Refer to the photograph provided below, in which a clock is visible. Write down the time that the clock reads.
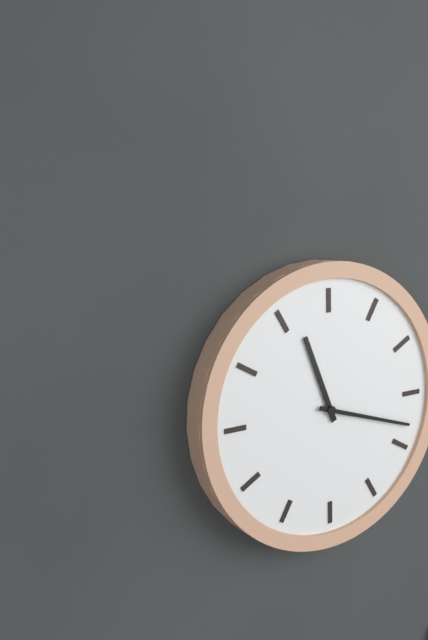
11:18
